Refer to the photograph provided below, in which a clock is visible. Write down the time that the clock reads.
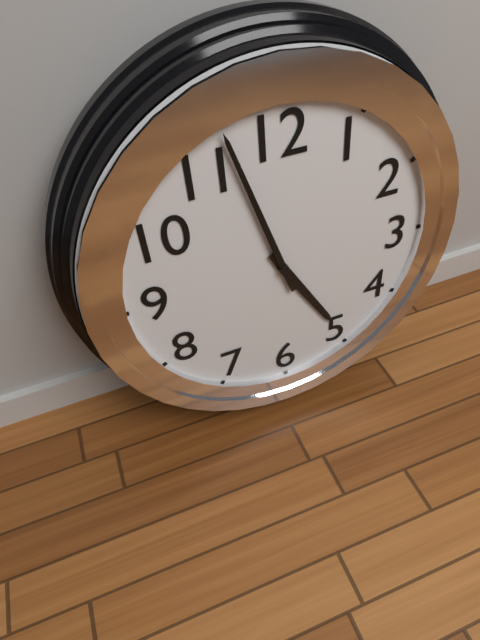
4:57
